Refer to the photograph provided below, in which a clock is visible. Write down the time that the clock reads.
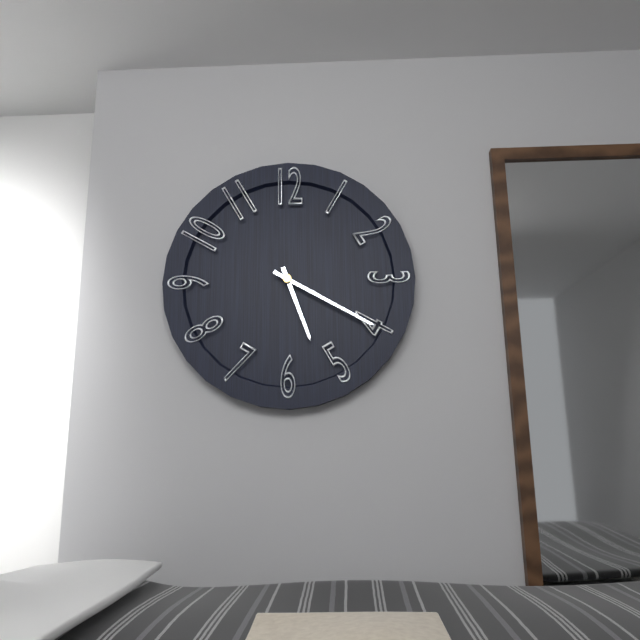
5:20
